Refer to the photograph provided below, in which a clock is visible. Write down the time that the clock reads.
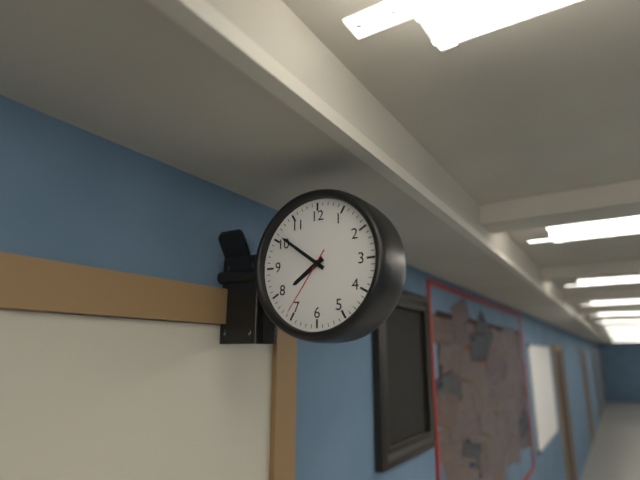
7:51:36
